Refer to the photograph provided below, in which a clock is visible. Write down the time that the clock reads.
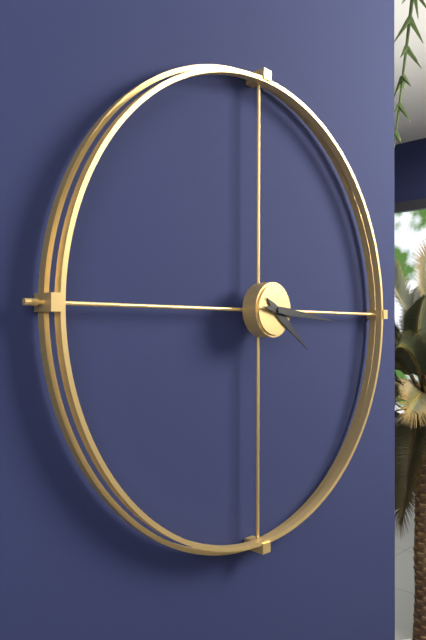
4:16
